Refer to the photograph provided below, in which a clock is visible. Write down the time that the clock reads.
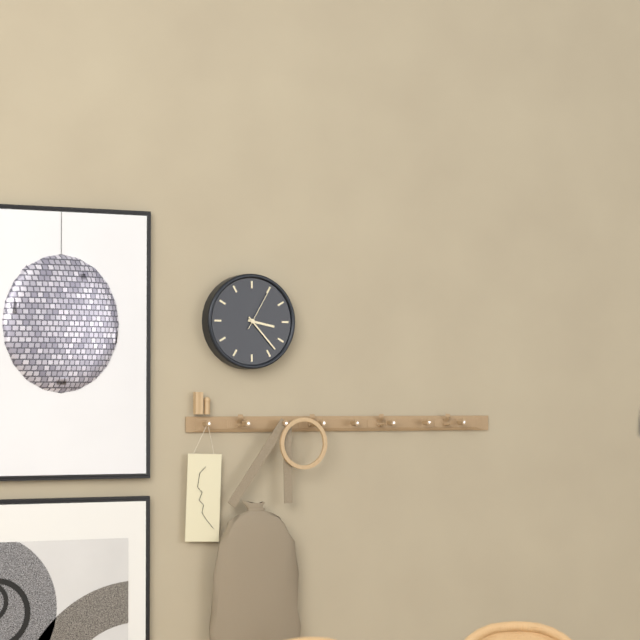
3:23
